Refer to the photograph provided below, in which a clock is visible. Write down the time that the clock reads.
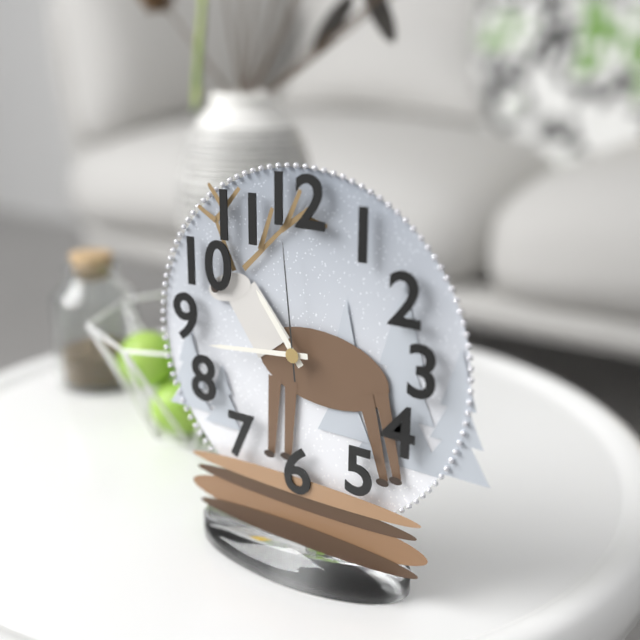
10:44:59
